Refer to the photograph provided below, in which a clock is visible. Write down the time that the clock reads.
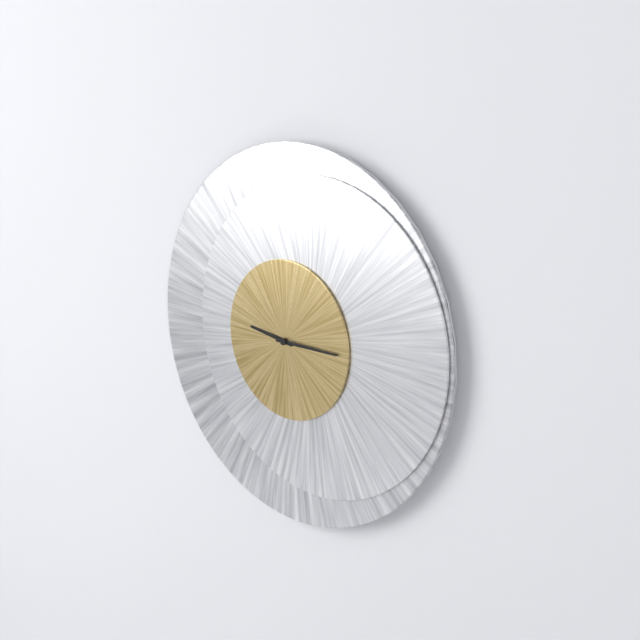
9:15
